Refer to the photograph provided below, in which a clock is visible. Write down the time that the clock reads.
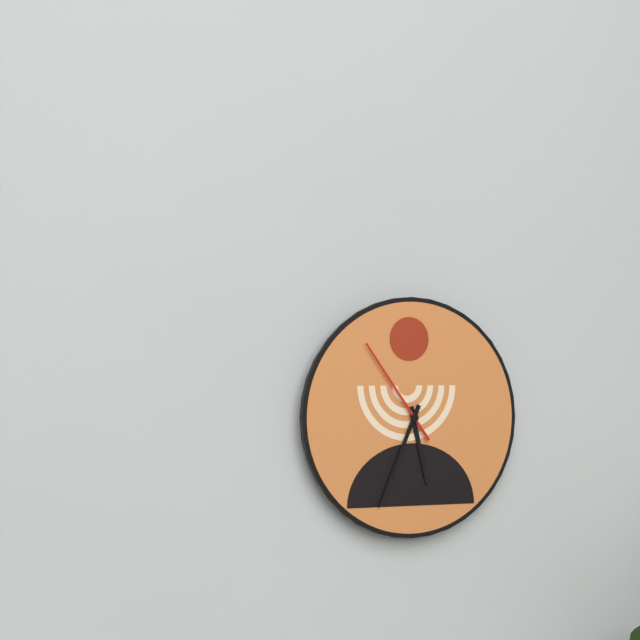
5:34:54
